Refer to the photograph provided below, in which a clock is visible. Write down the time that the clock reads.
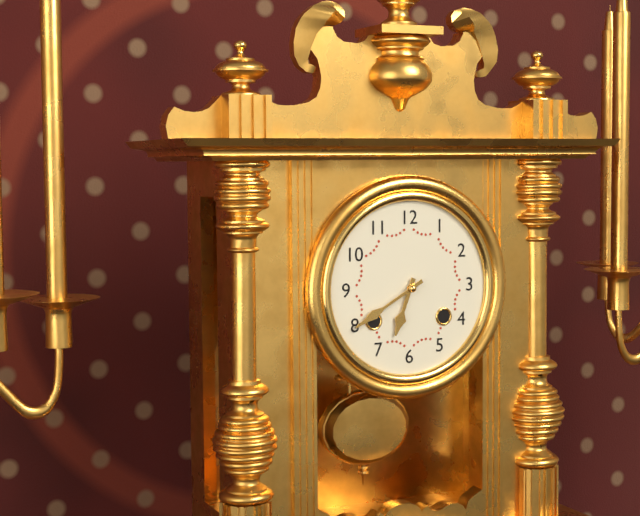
6:40
